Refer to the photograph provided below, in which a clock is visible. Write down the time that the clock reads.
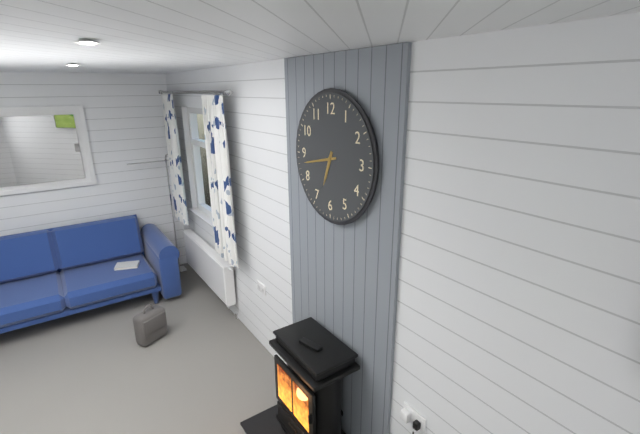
6:43
